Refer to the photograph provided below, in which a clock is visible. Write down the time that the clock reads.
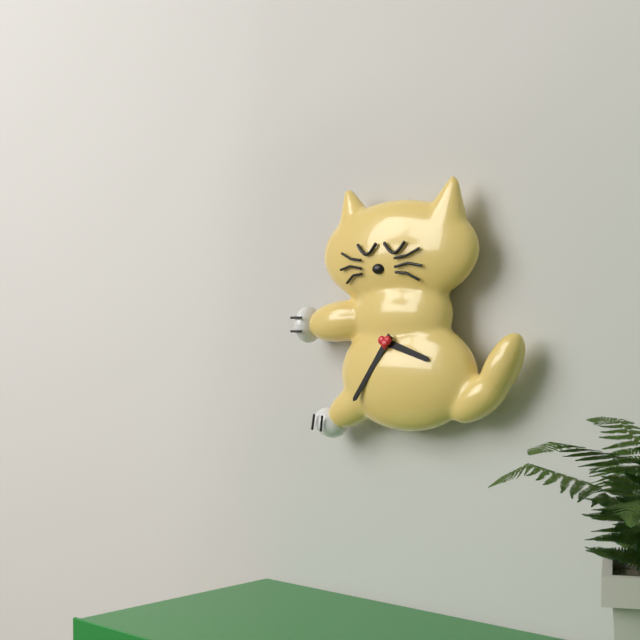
3:36
